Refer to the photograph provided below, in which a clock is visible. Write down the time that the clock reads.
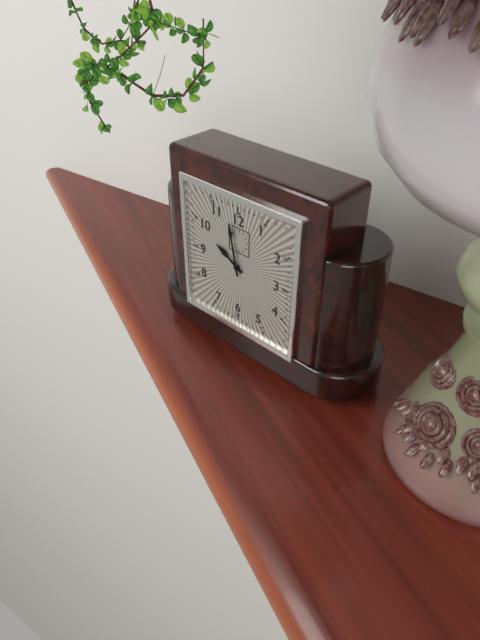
9:58
